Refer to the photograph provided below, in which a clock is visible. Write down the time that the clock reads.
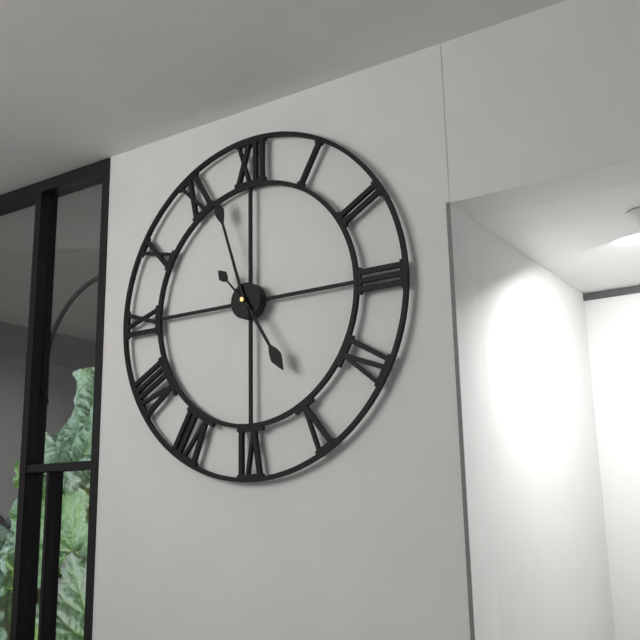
4:57:53
